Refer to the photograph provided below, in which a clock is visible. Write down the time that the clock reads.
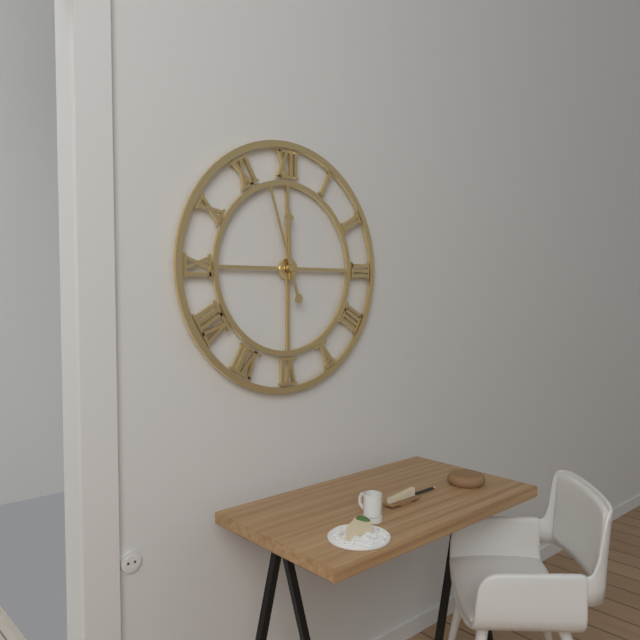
11:57
